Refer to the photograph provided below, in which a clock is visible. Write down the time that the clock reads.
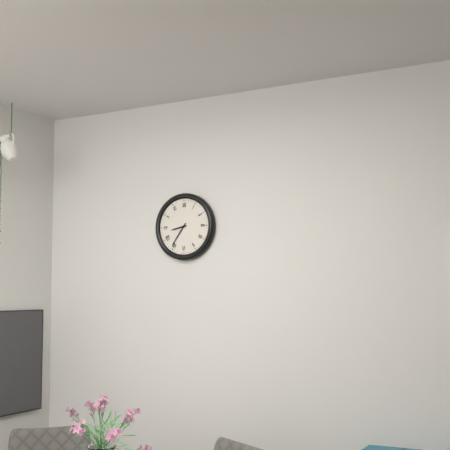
8:36
